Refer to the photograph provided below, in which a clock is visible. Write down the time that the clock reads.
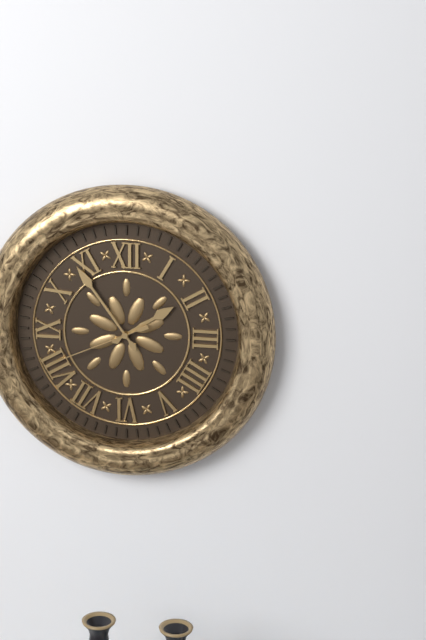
1:54:41
